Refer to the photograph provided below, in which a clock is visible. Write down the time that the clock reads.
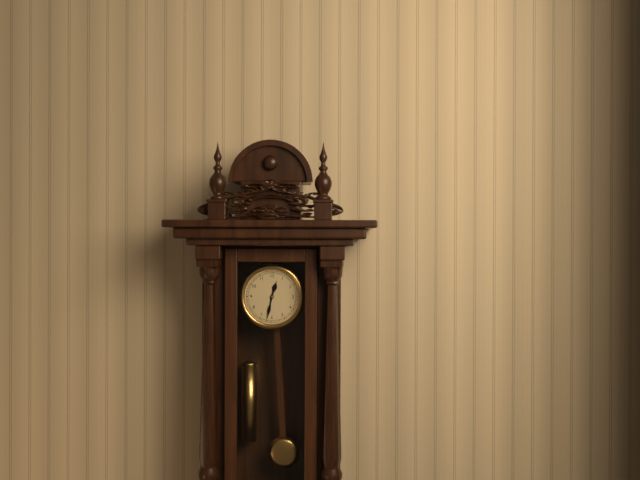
12:32
